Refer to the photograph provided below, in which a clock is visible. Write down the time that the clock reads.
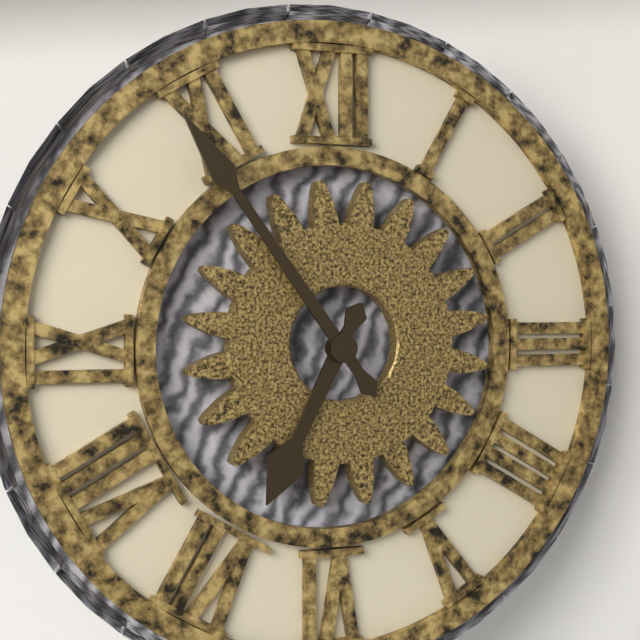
6:54
